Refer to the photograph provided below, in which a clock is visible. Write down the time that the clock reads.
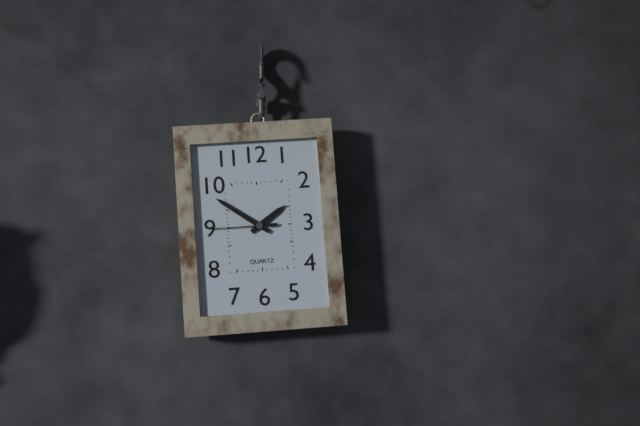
1:51:45
